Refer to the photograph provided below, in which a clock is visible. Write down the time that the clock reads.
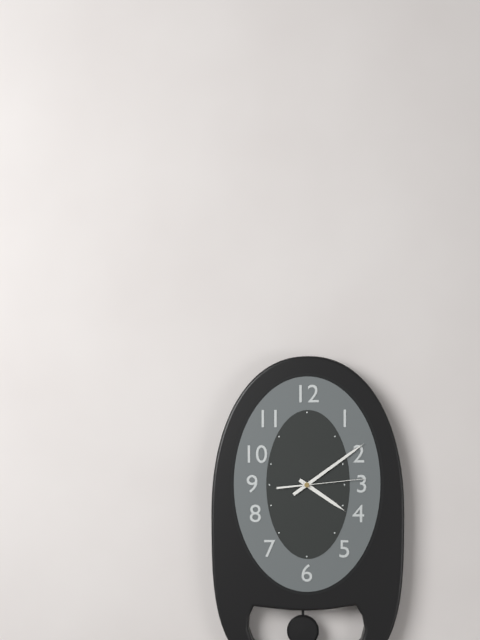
4:09:14
